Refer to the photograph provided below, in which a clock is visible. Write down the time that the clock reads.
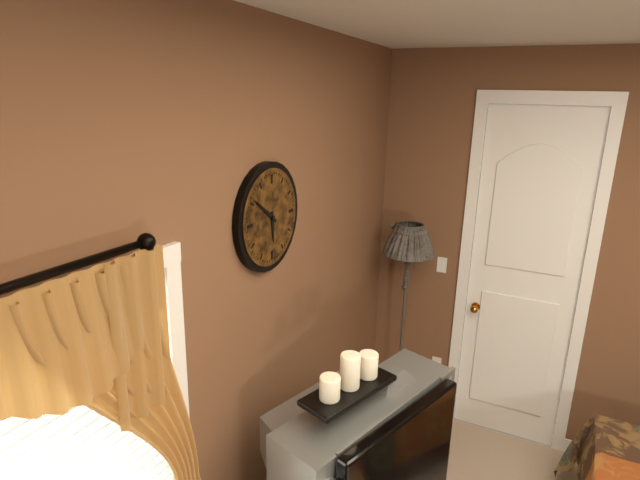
5:51
